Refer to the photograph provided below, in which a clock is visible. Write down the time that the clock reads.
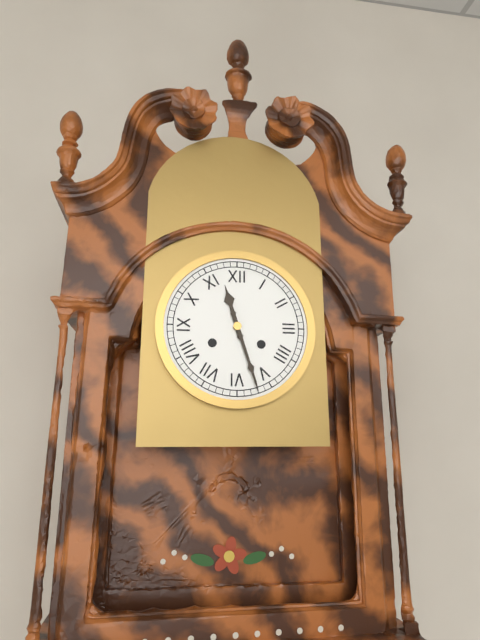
11:27
